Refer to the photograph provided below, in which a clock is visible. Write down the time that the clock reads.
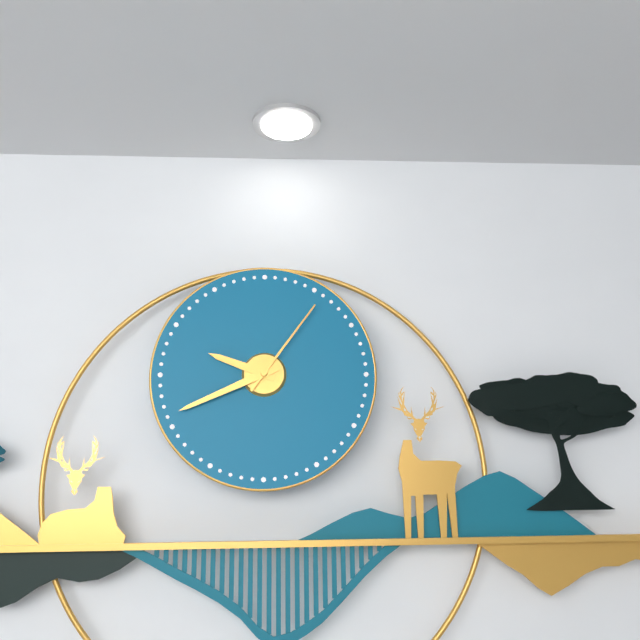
9:41:06
